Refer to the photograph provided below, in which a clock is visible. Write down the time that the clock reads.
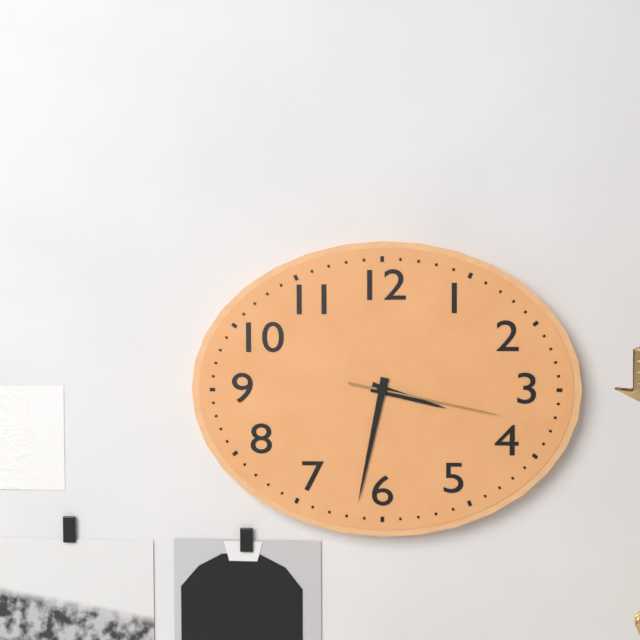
3:32:17
